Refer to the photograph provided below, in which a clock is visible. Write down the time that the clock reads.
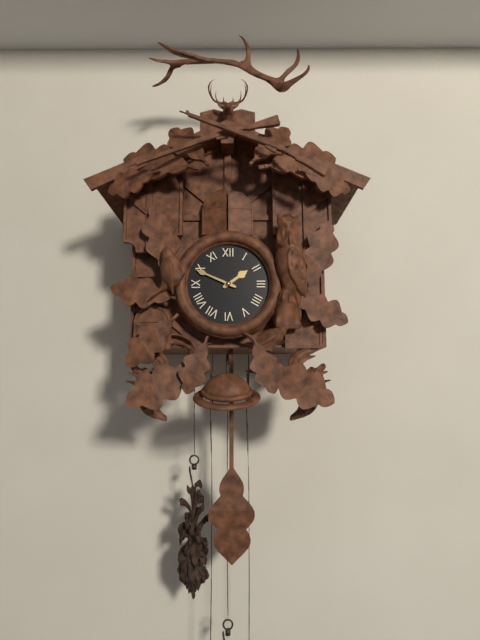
1:49
